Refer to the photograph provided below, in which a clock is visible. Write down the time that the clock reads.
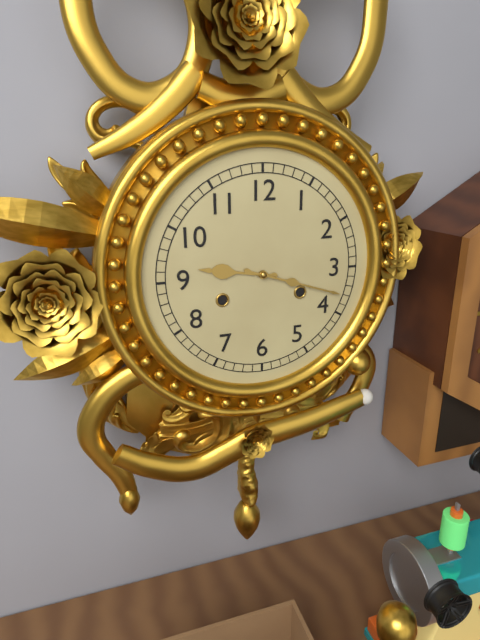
9:18
